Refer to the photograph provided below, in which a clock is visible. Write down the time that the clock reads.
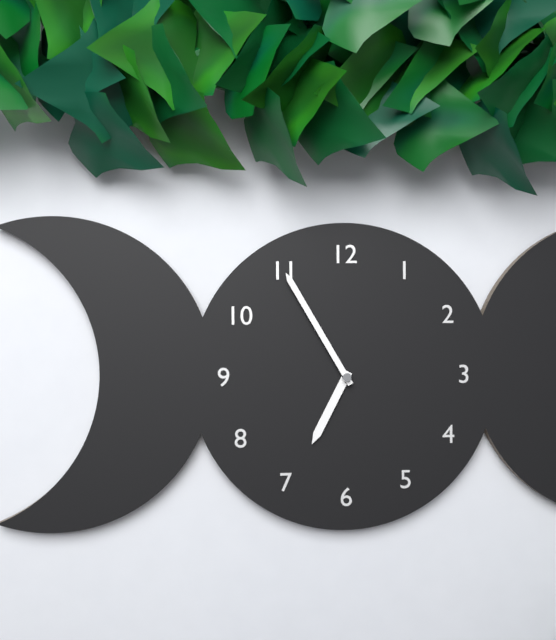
6:55
